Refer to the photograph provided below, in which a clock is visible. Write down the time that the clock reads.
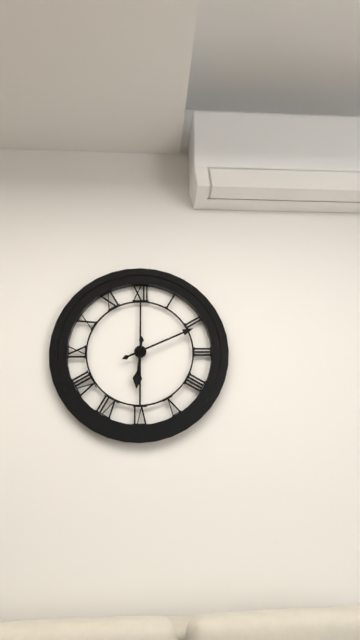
6:11
